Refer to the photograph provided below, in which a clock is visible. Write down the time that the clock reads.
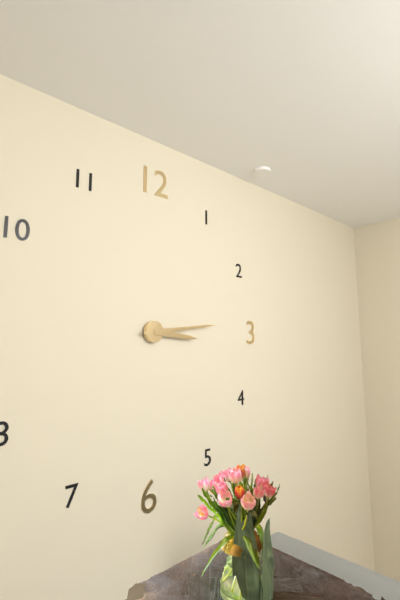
3:14
